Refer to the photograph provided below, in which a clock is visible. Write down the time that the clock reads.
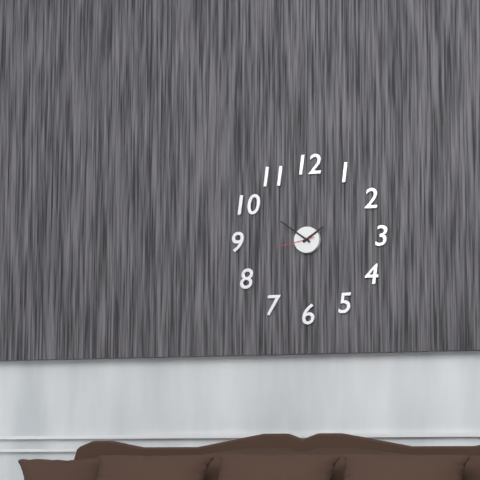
1:51
